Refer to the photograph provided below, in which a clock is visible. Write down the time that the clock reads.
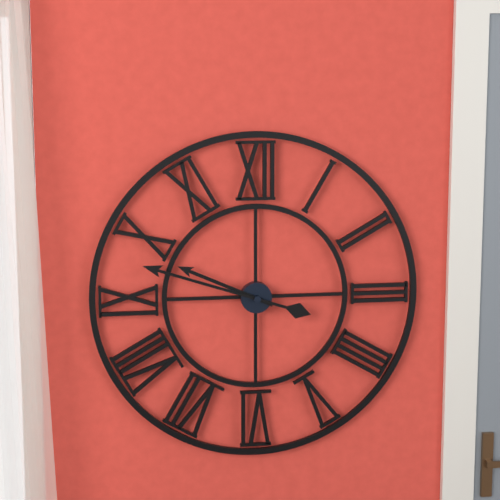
9:48
